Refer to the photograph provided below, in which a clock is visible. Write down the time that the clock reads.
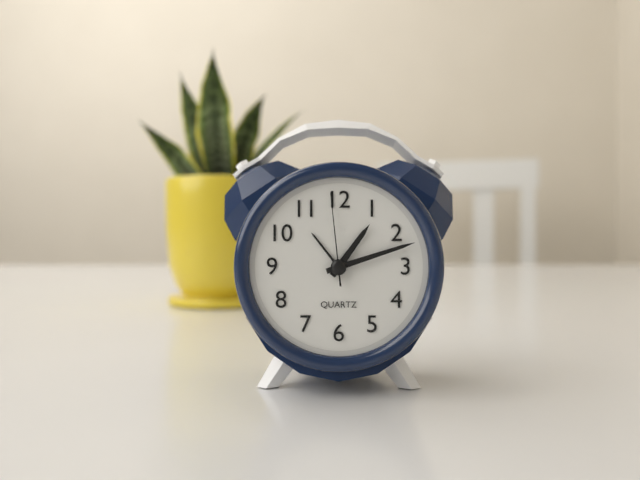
1:12:59
